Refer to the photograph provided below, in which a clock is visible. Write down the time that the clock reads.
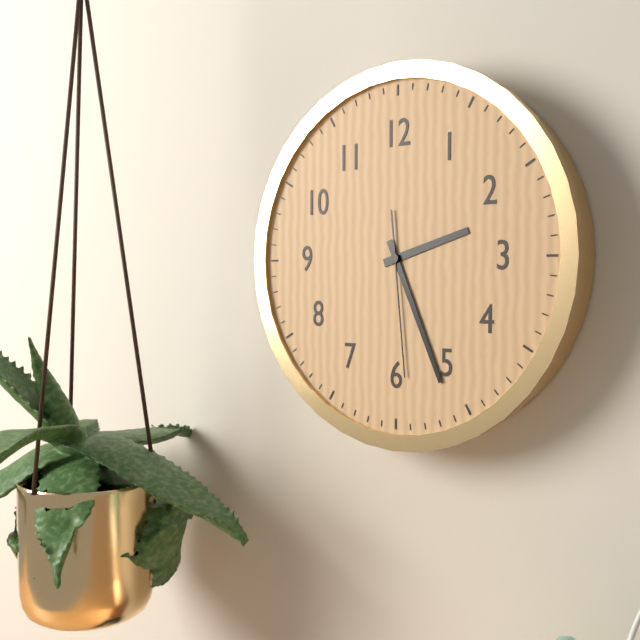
2:26:29
